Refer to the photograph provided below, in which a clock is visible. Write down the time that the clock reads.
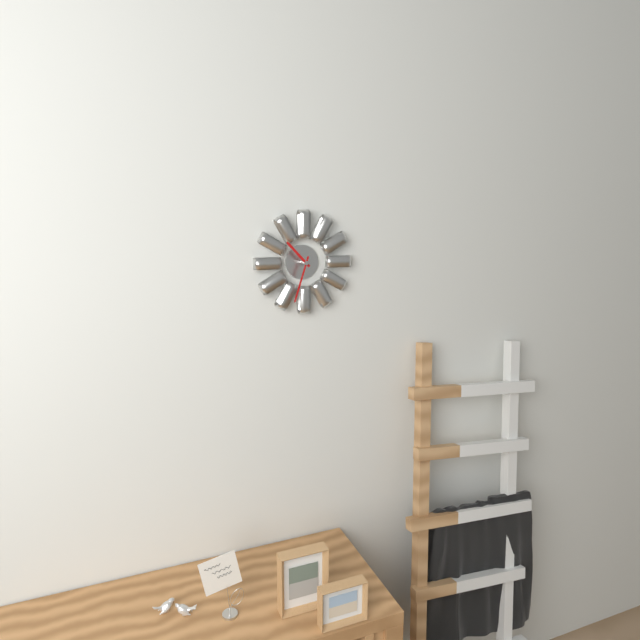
10:33
